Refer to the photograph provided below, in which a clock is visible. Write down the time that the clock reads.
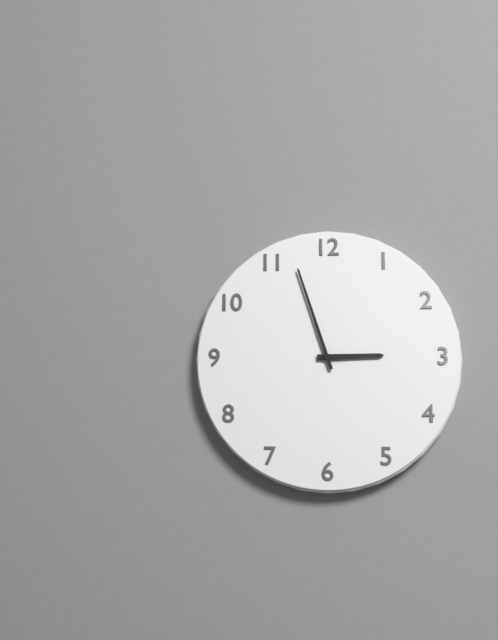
2:57
